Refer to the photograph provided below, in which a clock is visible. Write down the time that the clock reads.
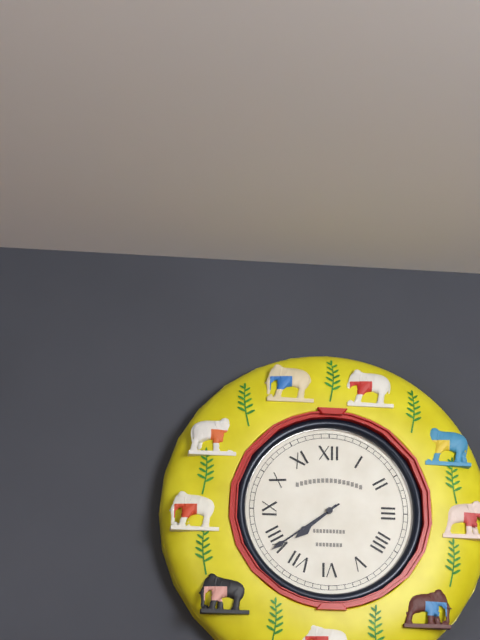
7:39
